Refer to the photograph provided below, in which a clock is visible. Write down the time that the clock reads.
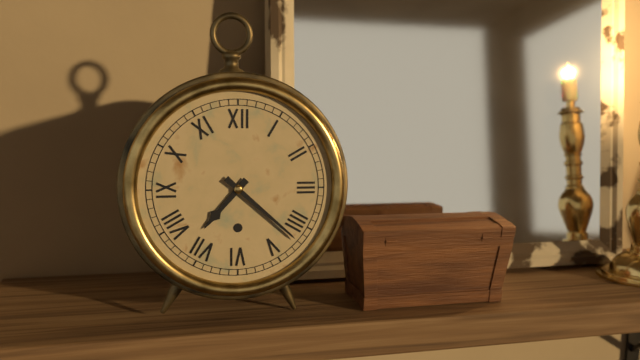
7:22
